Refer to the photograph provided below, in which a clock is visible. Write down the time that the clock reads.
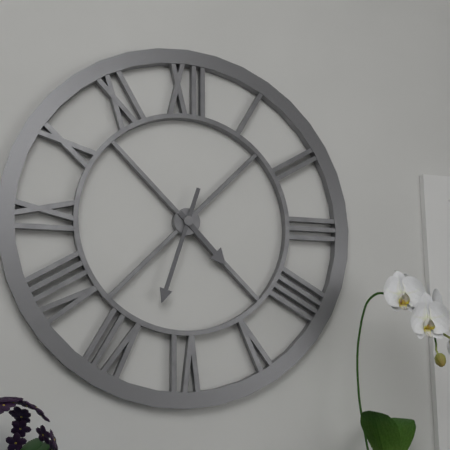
4:33
